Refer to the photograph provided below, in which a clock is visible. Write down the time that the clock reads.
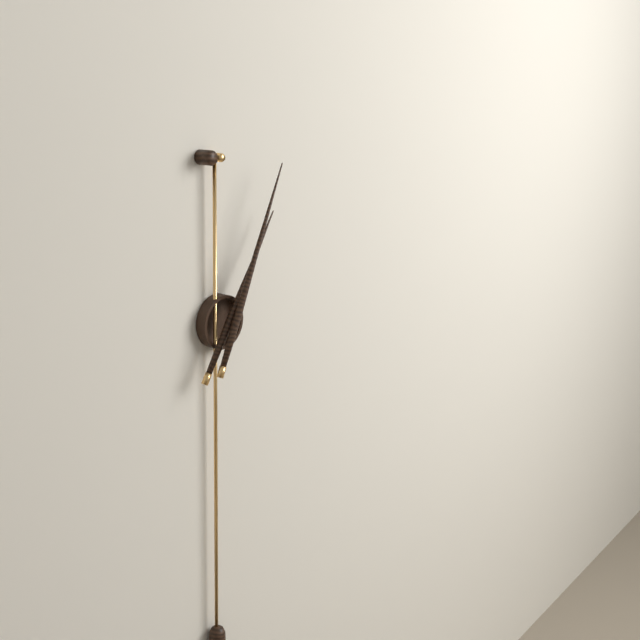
1:04
